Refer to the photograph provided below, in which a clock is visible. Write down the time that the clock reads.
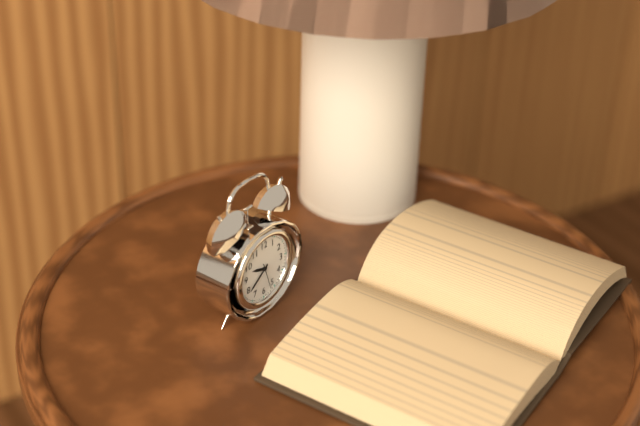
9:39
